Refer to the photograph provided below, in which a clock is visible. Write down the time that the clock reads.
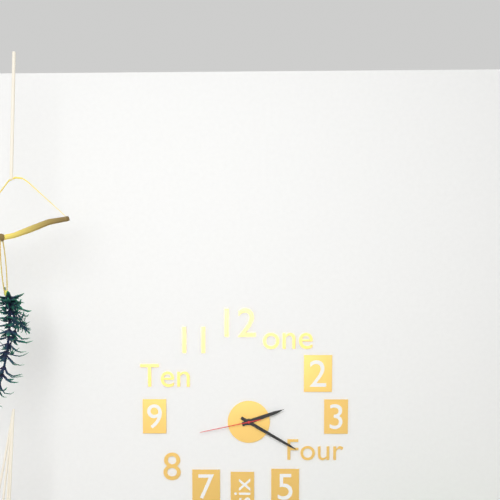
2:20:43
